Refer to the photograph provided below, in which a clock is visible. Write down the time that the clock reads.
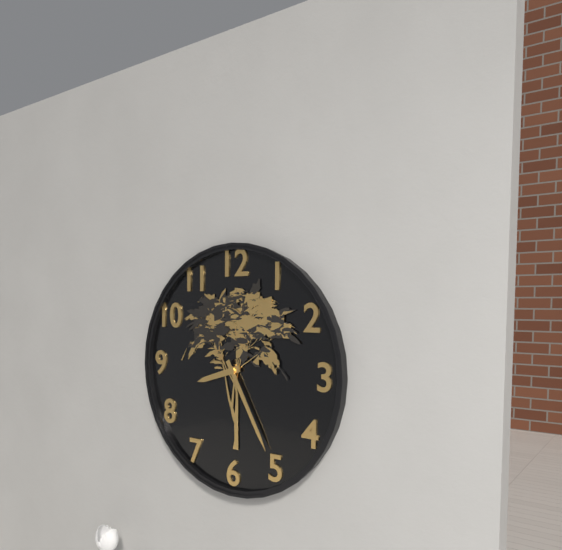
8:25
